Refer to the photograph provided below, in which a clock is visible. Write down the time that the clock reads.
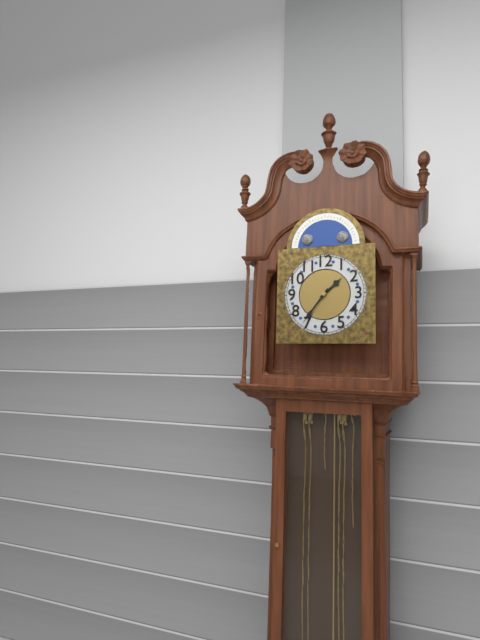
1:36
